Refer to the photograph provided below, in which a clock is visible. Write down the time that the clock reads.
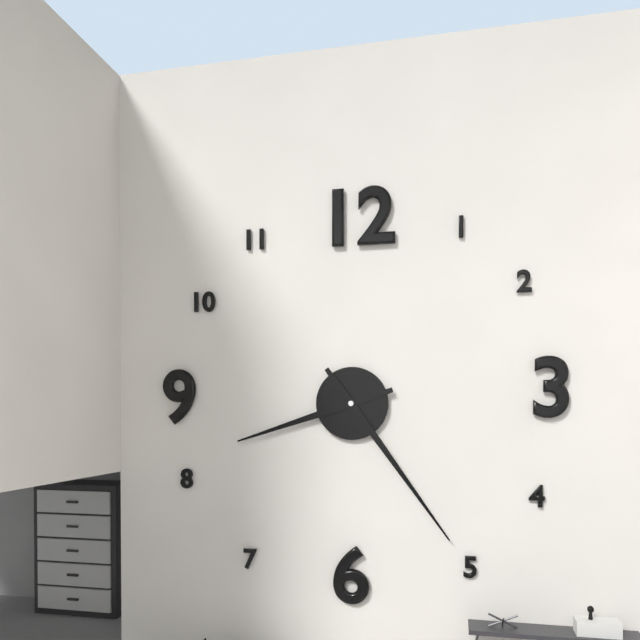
8:24
